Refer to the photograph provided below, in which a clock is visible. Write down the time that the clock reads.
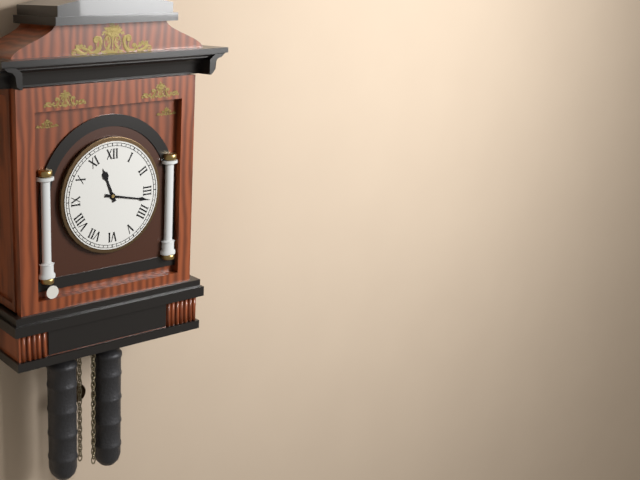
11:17
